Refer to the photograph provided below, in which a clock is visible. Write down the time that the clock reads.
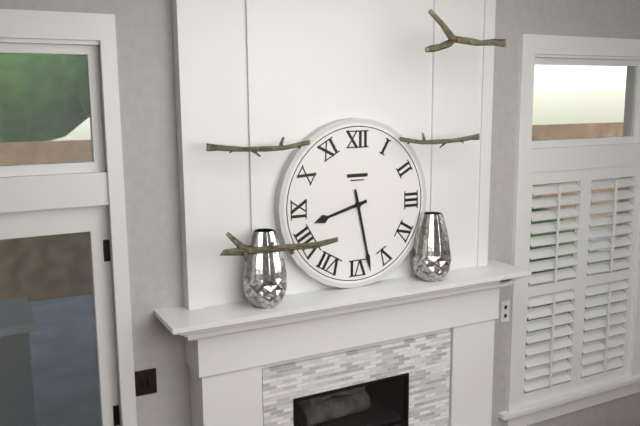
8:28
